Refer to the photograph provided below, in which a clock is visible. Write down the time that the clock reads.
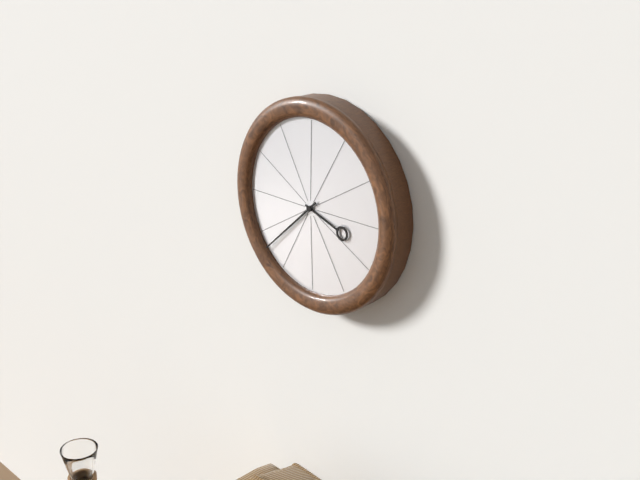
3:38
